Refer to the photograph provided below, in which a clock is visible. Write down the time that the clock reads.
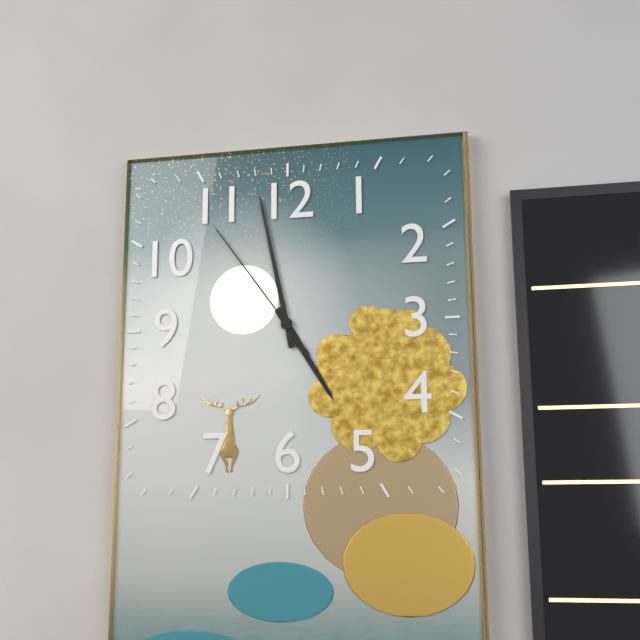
4:58:54
